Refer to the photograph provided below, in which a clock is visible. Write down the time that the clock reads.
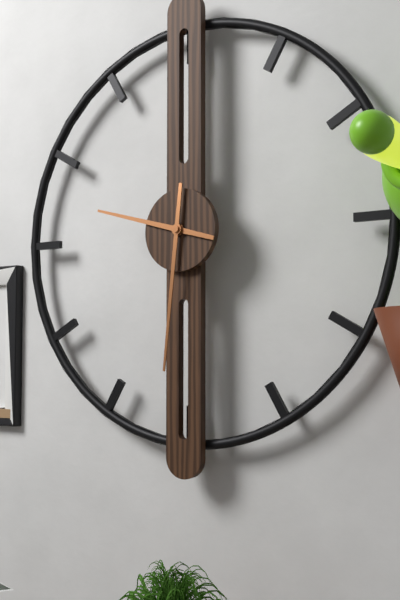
9:31
